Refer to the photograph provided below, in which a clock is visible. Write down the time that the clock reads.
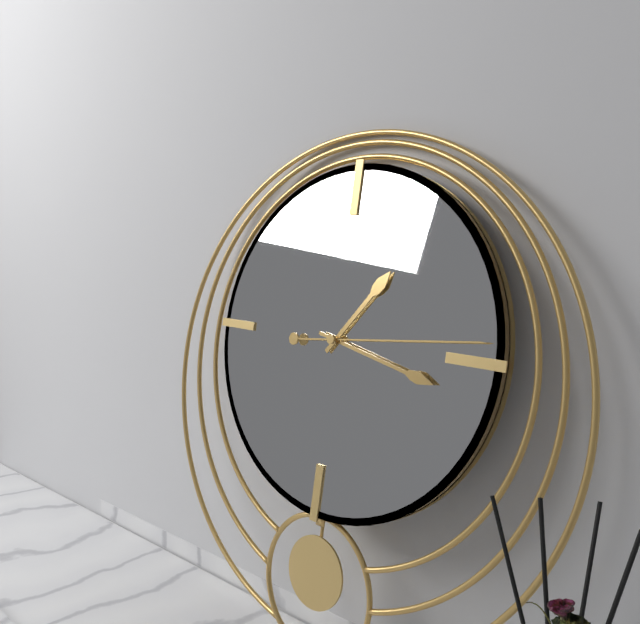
1:17:14
